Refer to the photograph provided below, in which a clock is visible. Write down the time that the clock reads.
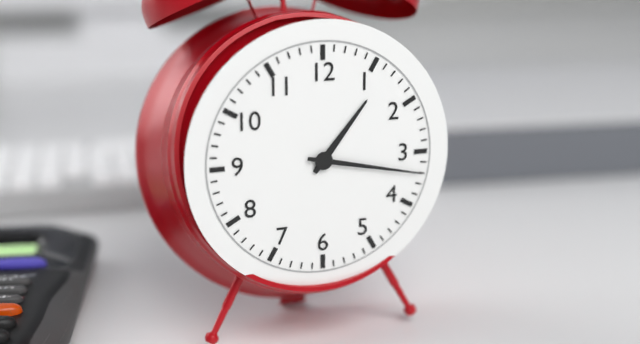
1:17
